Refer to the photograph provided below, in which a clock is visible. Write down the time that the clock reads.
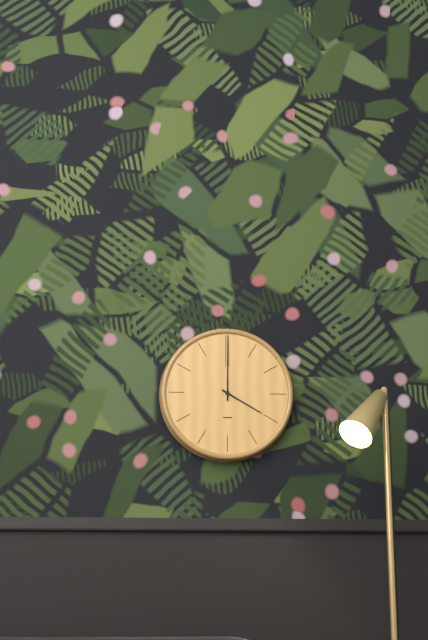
4:00
